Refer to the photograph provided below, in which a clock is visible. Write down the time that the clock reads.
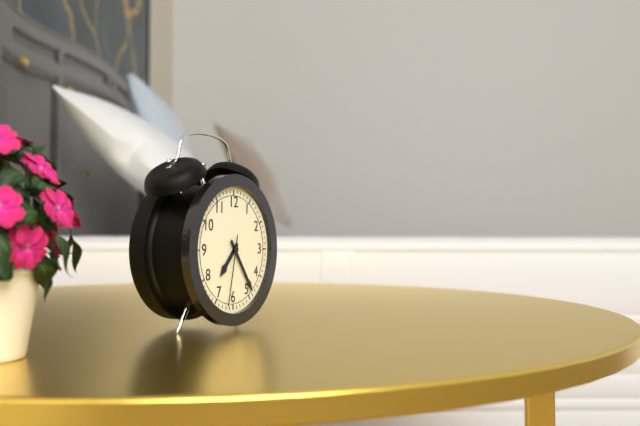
7:24:32
